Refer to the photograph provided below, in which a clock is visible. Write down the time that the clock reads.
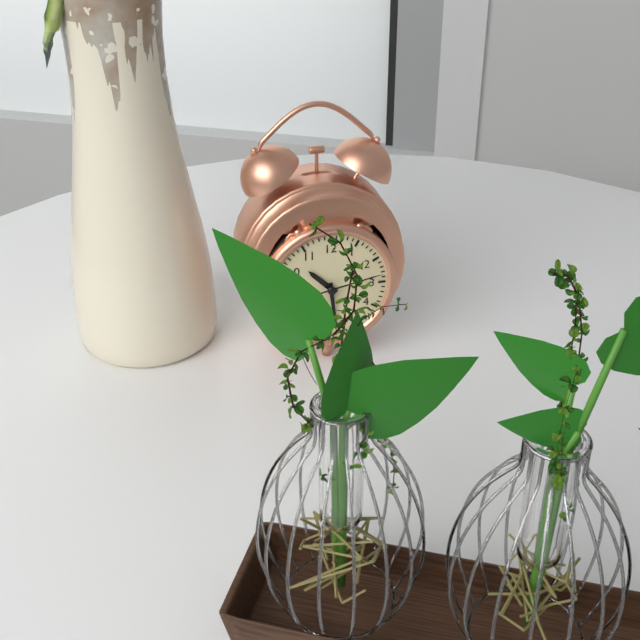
10:29:13
